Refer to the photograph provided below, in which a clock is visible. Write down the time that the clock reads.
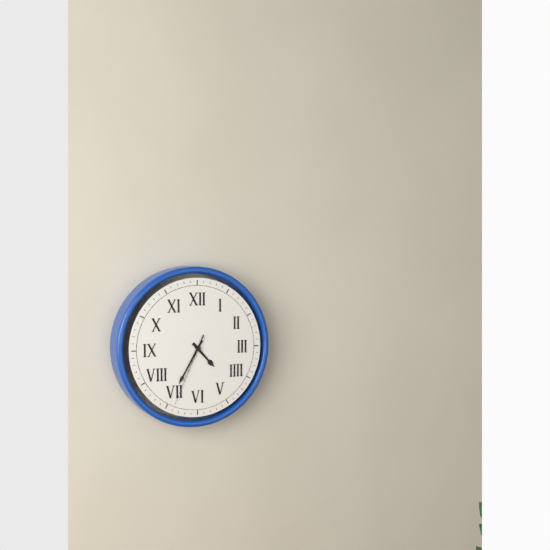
4:35:34
